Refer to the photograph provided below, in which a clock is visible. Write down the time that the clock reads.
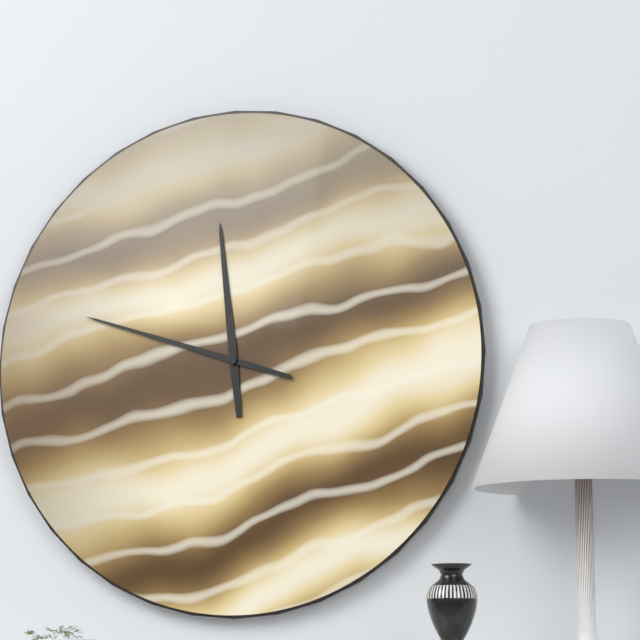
11:48
